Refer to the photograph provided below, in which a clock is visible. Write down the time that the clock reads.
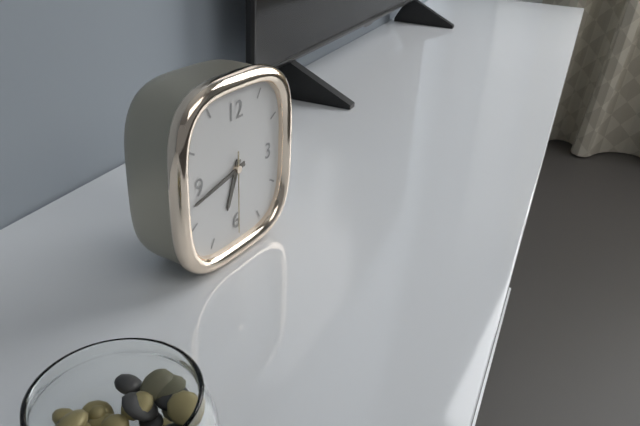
6:43:30
